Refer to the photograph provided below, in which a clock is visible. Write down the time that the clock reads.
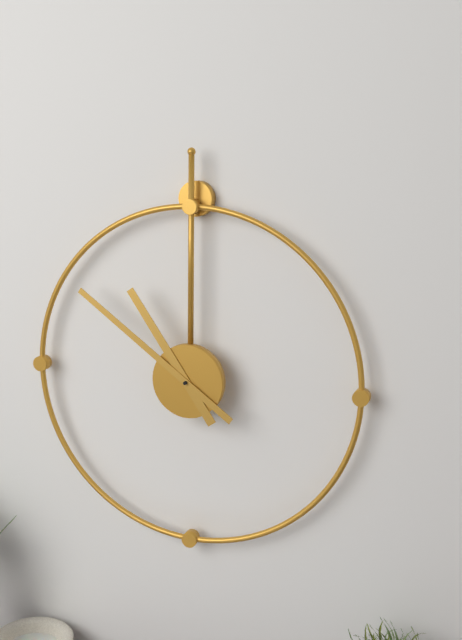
10:51
